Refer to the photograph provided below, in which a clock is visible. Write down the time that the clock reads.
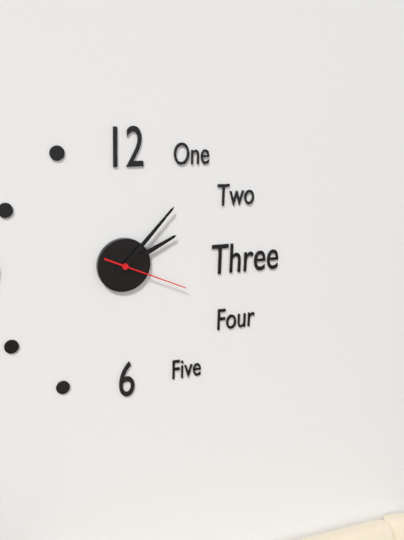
2:07:19
